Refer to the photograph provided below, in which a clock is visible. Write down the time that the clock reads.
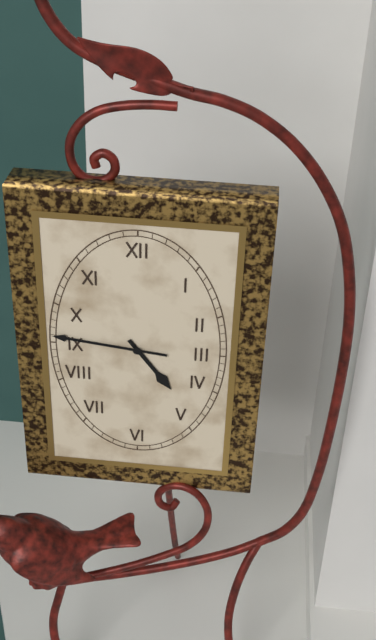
4:46
